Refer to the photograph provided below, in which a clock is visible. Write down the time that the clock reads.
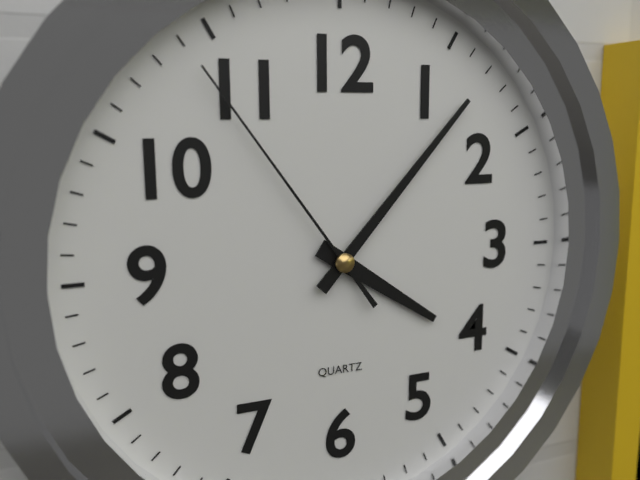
4:07:54
